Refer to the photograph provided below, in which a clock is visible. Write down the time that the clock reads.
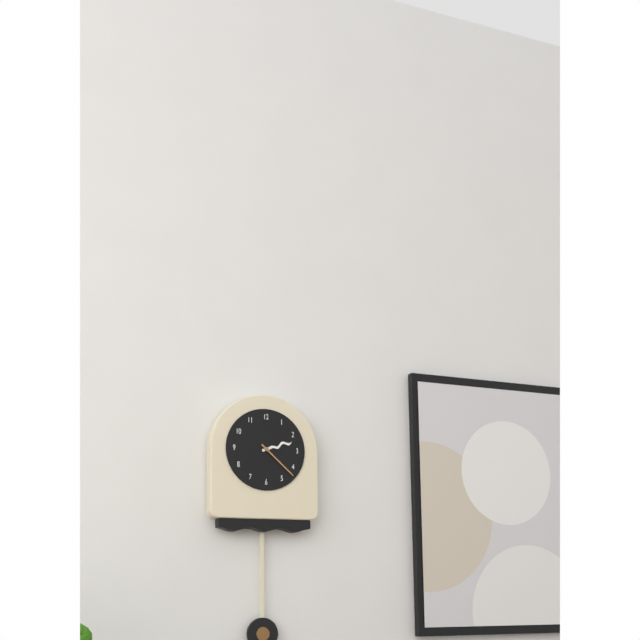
2:22
